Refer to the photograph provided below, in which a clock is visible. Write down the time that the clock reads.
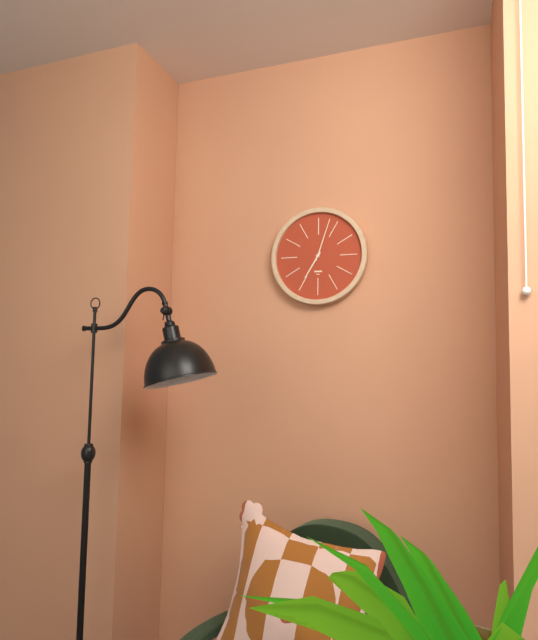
7:03
